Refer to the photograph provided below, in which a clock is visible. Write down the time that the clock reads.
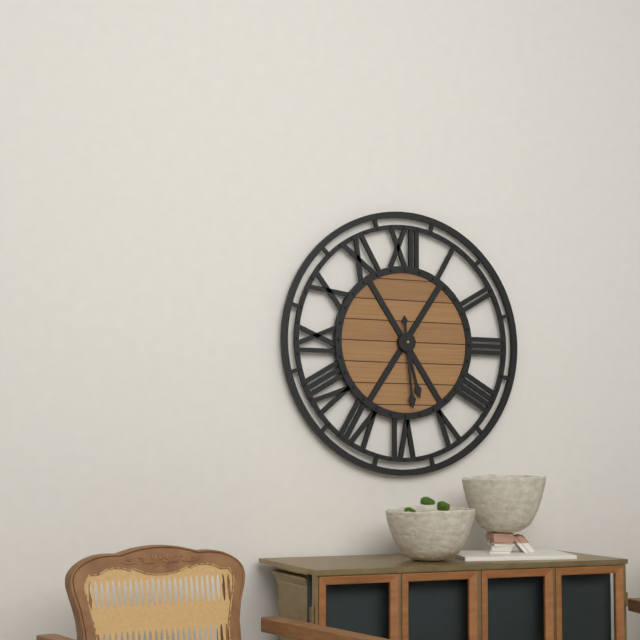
5:29
